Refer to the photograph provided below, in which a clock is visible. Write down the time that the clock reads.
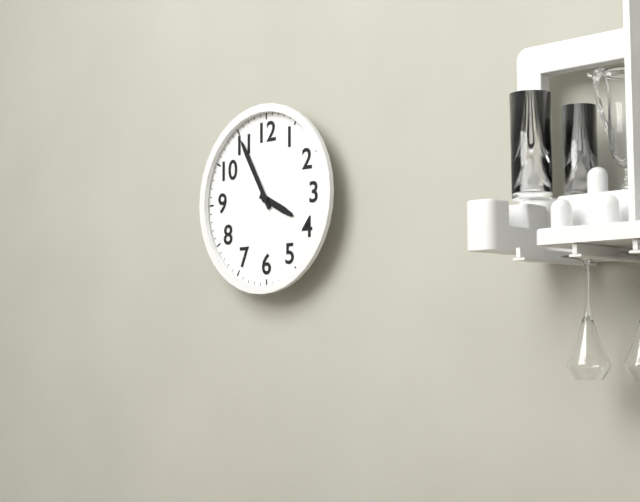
3:55
